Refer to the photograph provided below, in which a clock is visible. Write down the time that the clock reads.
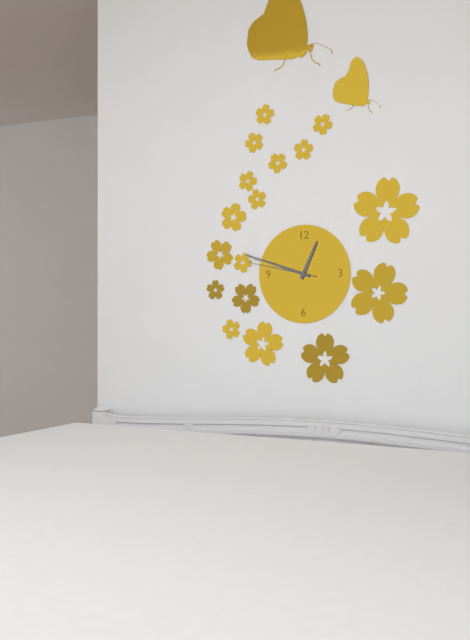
12:48:47
